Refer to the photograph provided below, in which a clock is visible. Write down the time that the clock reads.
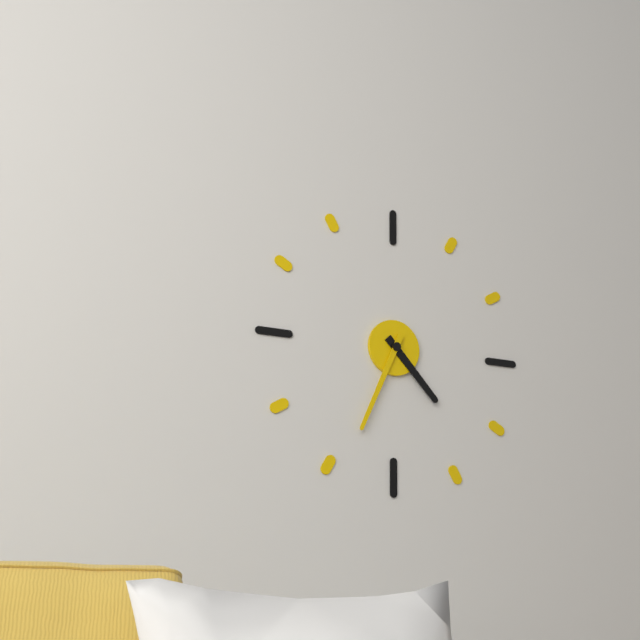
4:34
